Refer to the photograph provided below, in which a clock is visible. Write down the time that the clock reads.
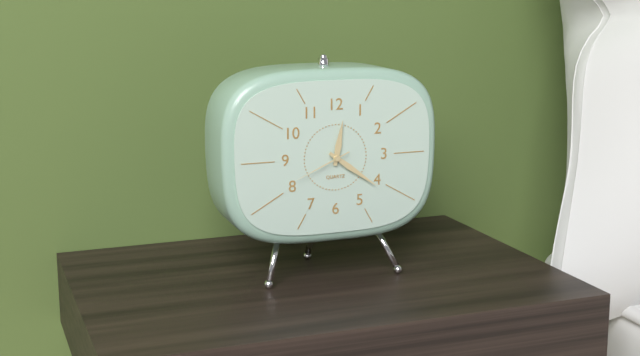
12:21:41
